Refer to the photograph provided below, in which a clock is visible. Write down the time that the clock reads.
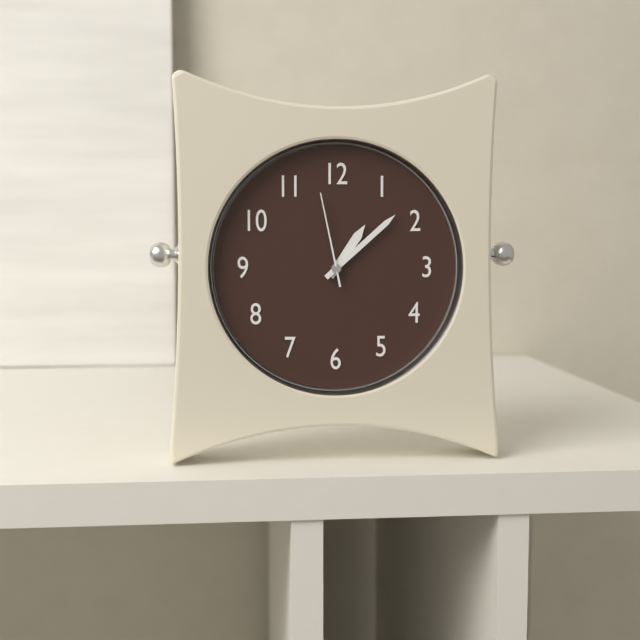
1:08:58
